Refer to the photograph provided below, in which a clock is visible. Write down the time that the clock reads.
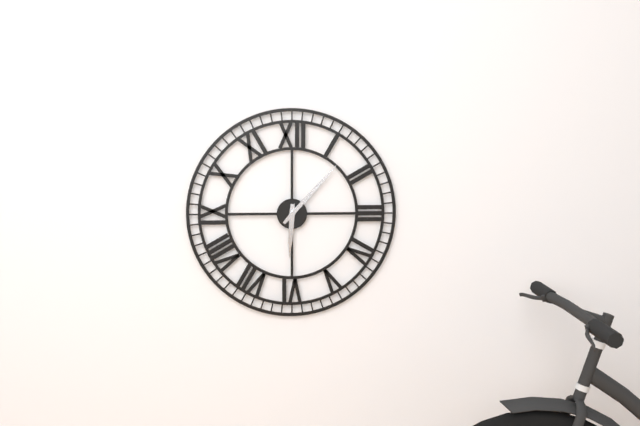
6:07
